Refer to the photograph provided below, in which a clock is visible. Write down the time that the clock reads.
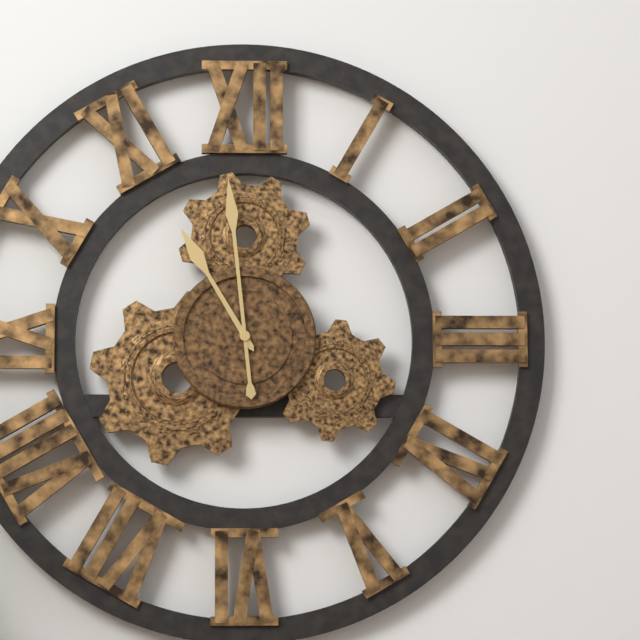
10:59
